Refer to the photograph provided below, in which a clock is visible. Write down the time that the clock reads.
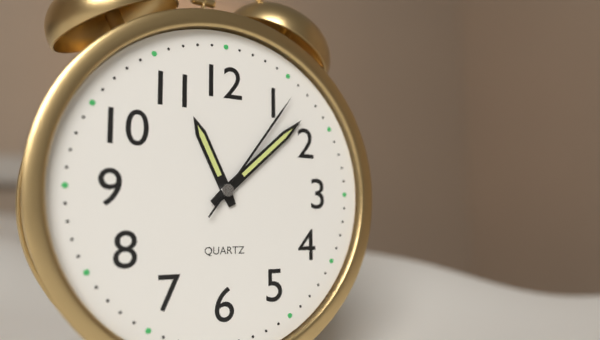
11:08:06
